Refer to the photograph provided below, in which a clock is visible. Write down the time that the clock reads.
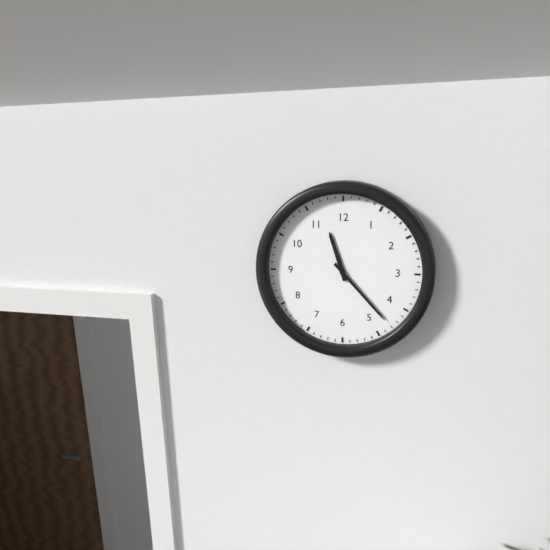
11:23
